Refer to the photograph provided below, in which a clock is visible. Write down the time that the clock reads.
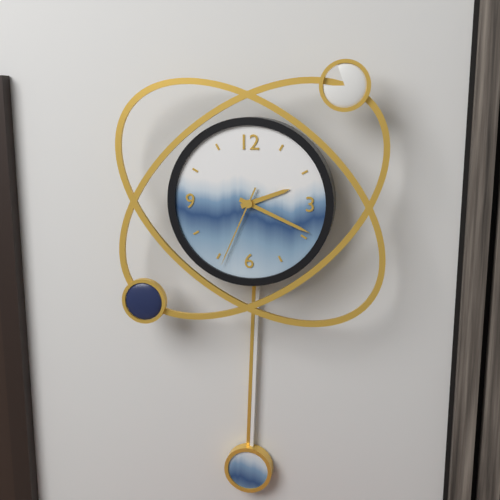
2:19:34
